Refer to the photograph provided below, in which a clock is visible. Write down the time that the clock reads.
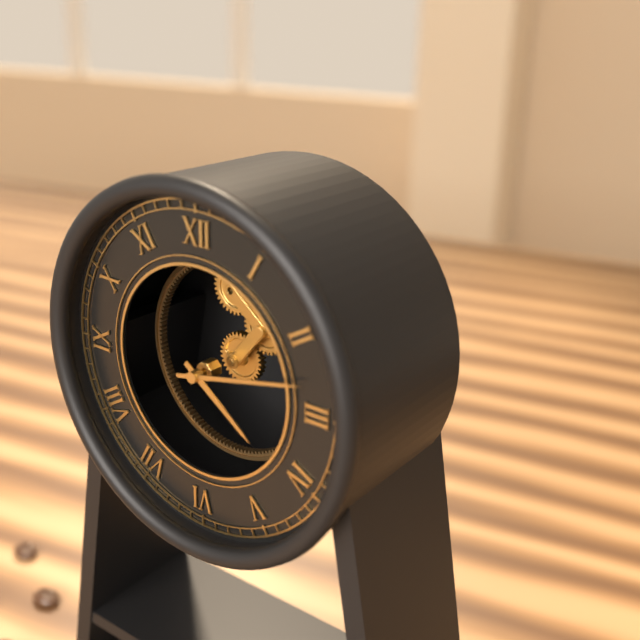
4:13
